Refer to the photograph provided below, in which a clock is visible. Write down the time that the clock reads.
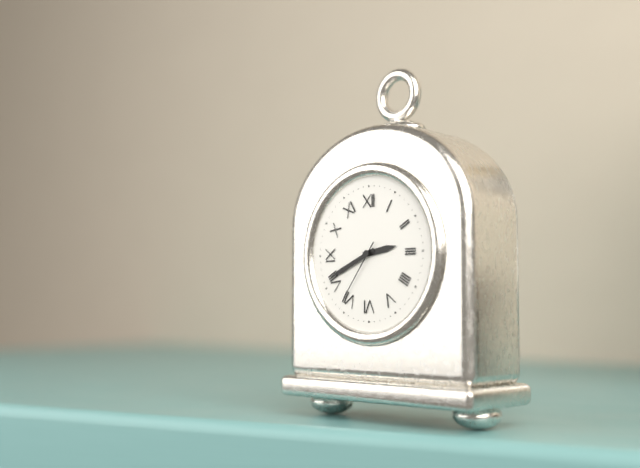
2:41:36
